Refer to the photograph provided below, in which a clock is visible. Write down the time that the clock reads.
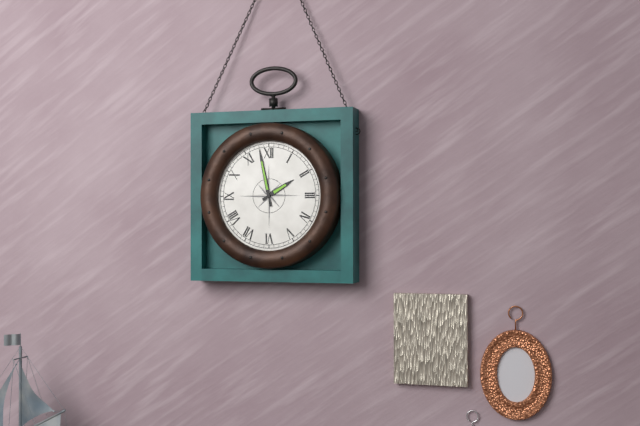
1:58
